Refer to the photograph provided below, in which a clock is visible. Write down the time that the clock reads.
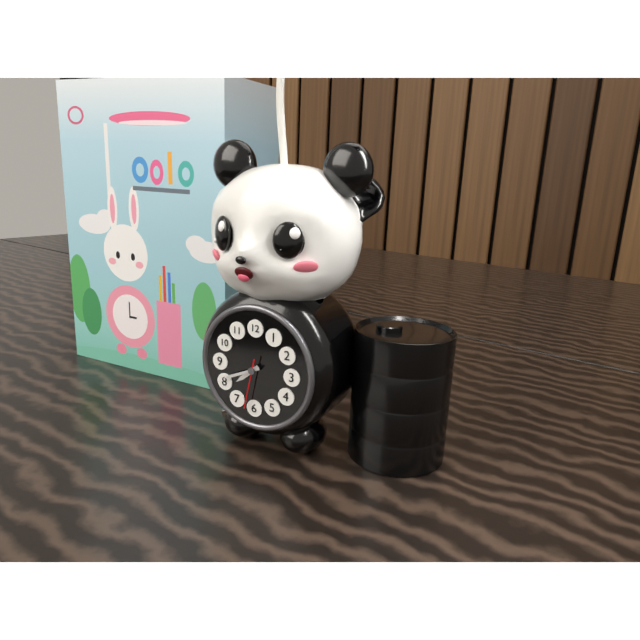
7:41
